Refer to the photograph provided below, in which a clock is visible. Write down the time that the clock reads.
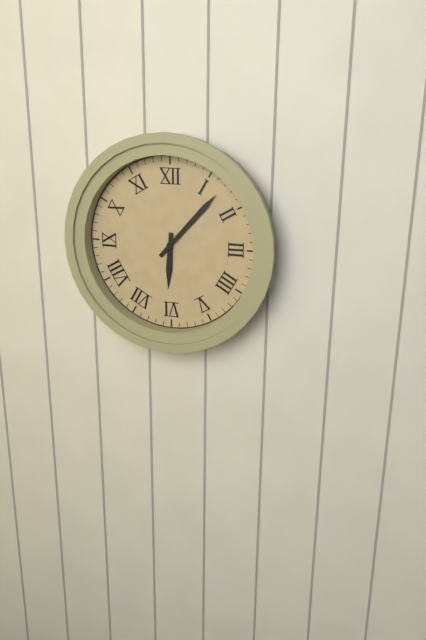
6:07
